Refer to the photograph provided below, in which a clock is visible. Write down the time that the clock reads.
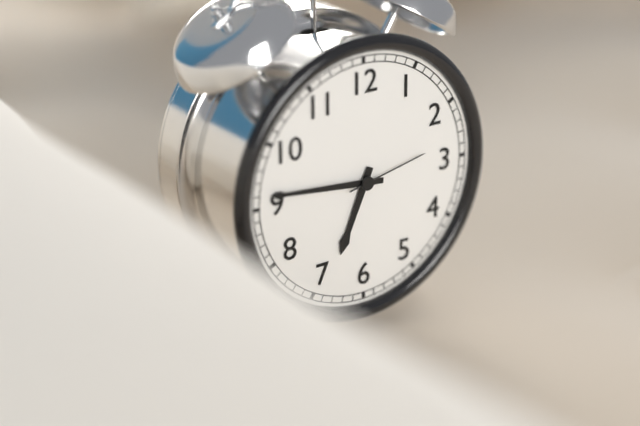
6:46:13
